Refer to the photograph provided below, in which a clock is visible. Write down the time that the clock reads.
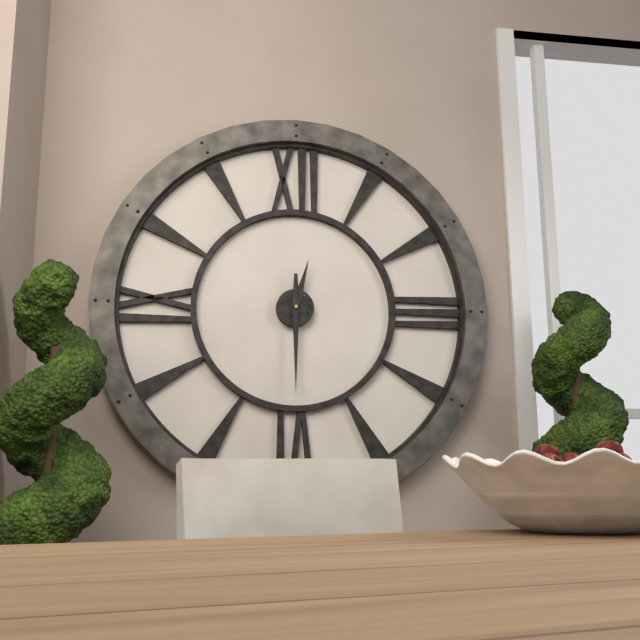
12:30
